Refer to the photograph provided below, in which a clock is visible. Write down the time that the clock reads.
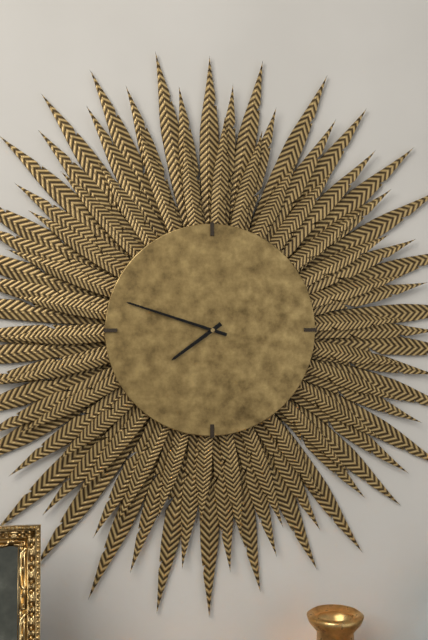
7:48
